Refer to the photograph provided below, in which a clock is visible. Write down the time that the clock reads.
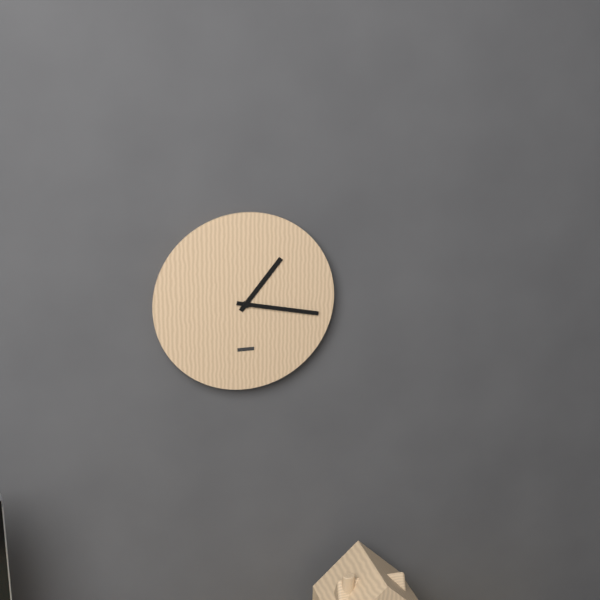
1:17
